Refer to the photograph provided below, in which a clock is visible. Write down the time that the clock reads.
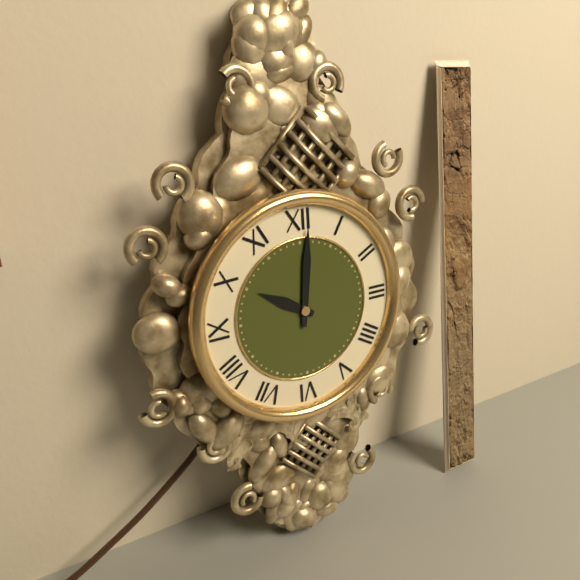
10:01
